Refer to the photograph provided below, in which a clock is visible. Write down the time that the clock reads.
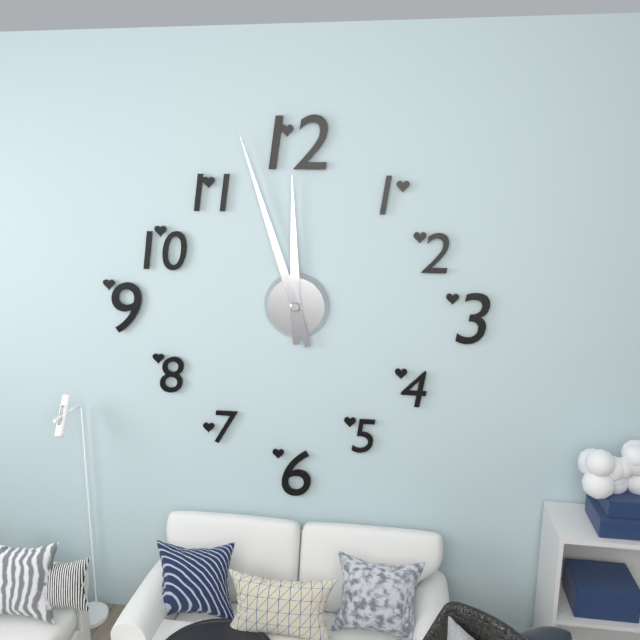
11:57
